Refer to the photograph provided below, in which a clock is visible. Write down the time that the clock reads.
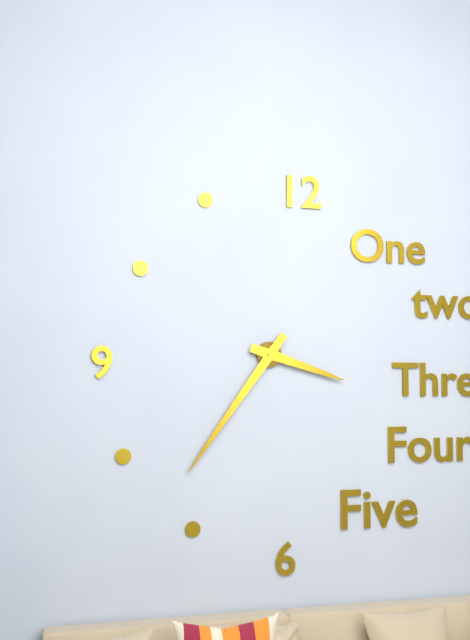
3:36
